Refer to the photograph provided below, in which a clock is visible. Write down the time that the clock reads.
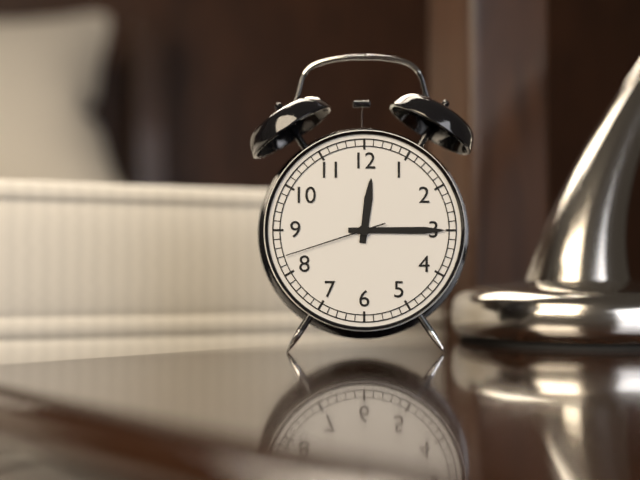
12:15:42
